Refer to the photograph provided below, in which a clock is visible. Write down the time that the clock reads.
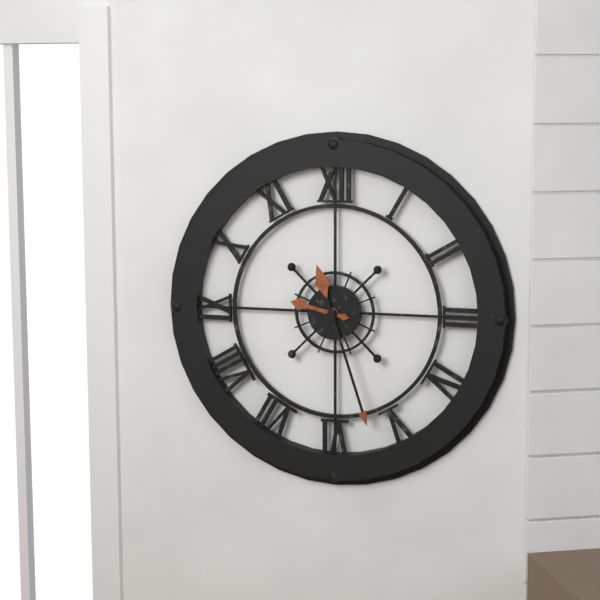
9:27
